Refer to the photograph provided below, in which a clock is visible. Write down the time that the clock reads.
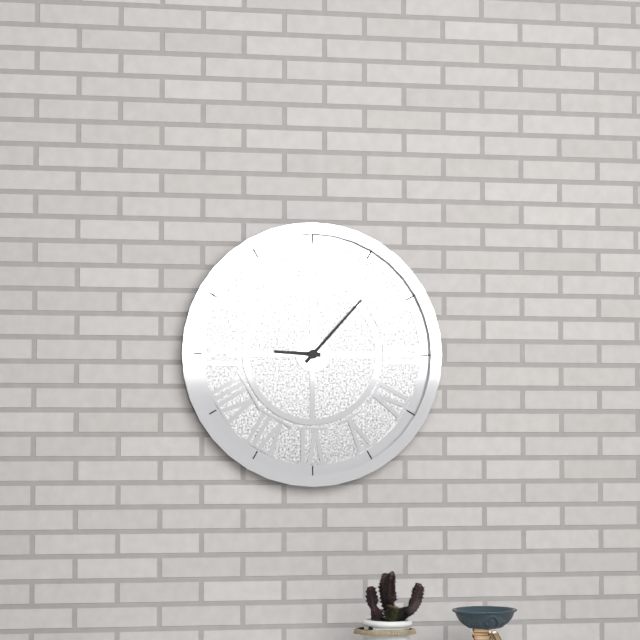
9:07
